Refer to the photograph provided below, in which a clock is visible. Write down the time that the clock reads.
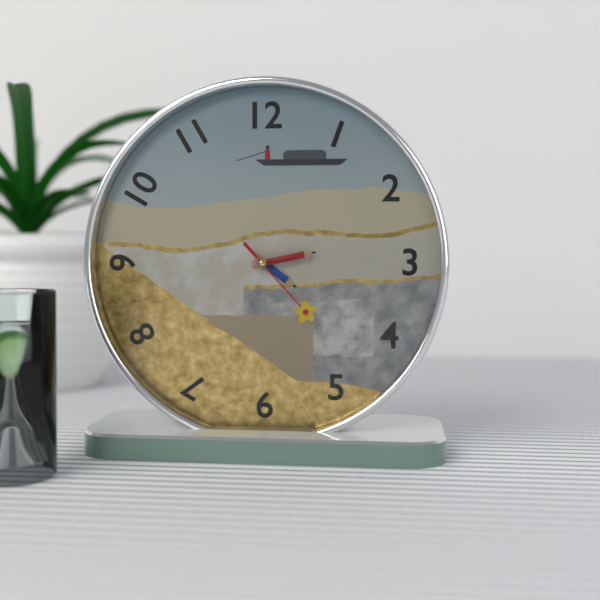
4:13:23
